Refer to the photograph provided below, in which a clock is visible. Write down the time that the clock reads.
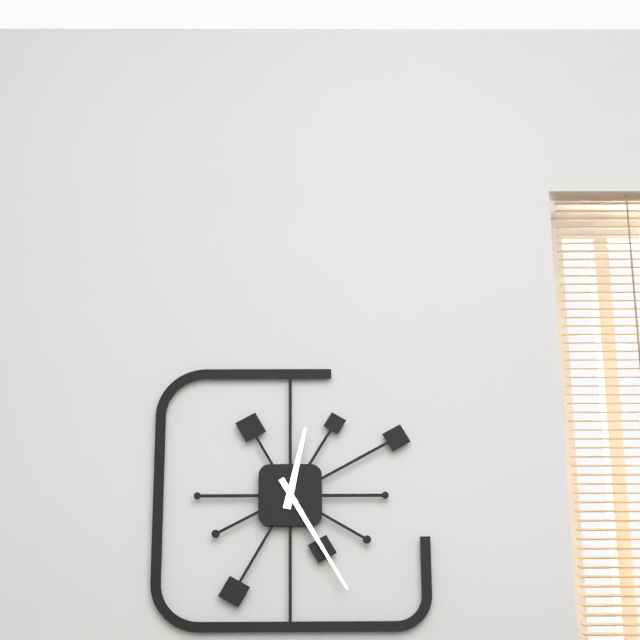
12:25
